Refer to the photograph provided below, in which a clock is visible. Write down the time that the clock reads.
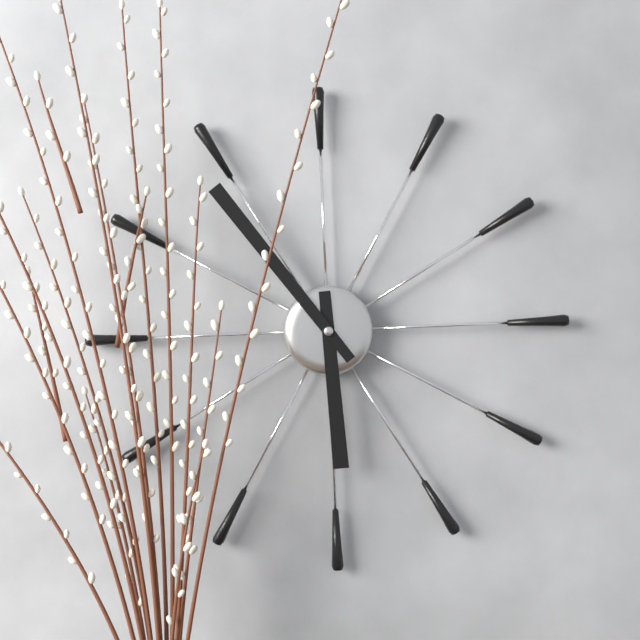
5:54
